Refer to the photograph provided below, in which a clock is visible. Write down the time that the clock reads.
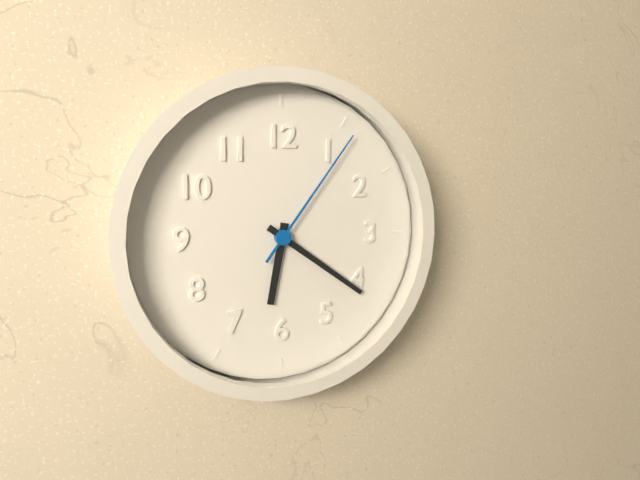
6:21:06
